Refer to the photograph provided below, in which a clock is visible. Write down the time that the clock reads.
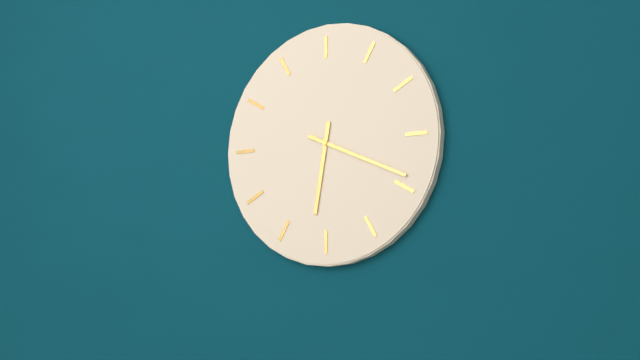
6:19
